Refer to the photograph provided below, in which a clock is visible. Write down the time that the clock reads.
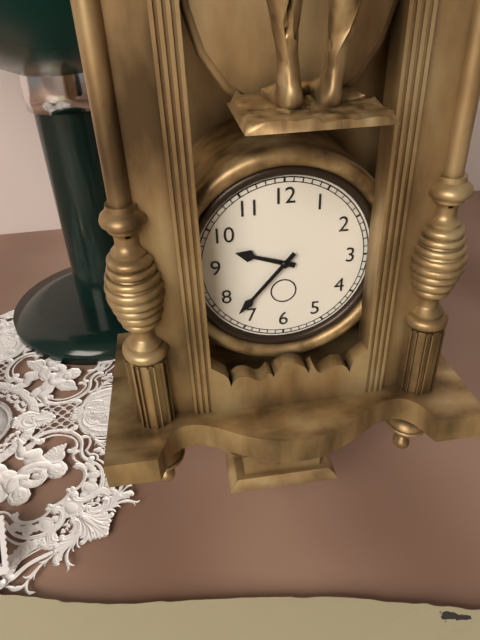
9:37
